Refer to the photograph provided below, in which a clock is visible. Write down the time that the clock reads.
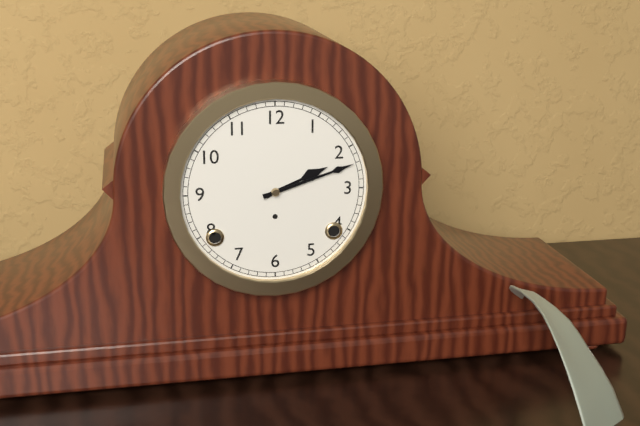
2:12
